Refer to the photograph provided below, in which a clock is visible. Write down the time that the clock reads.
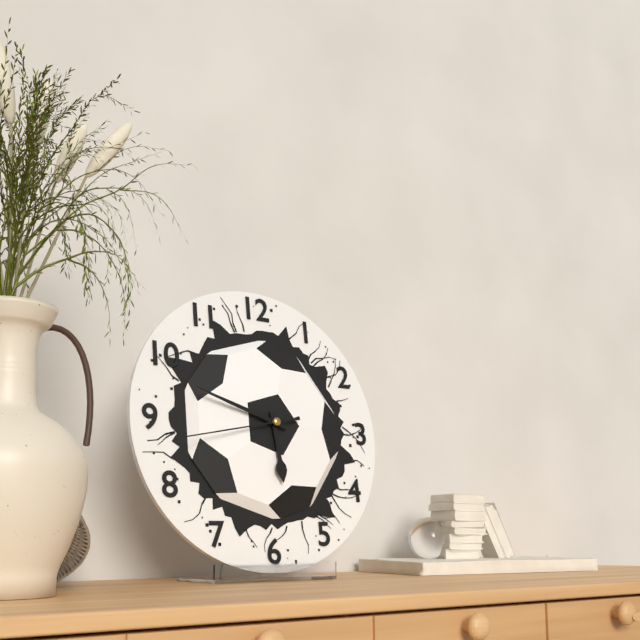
5:48:43
